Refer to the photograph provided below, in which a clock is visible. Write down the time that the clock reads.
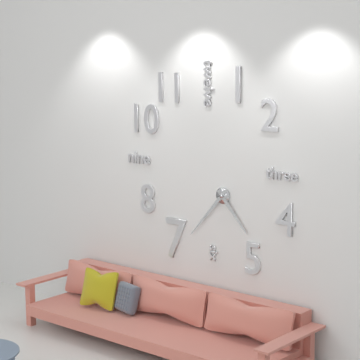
4:37
